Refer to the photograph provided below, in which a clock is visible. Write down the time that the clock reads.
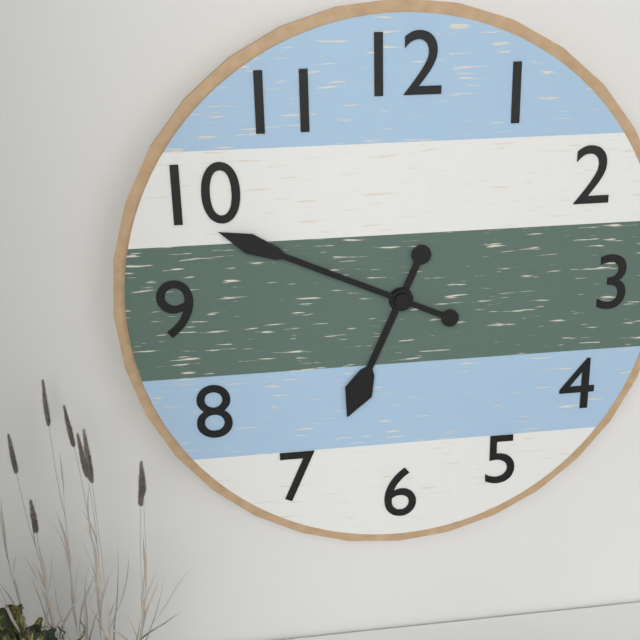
6:49
